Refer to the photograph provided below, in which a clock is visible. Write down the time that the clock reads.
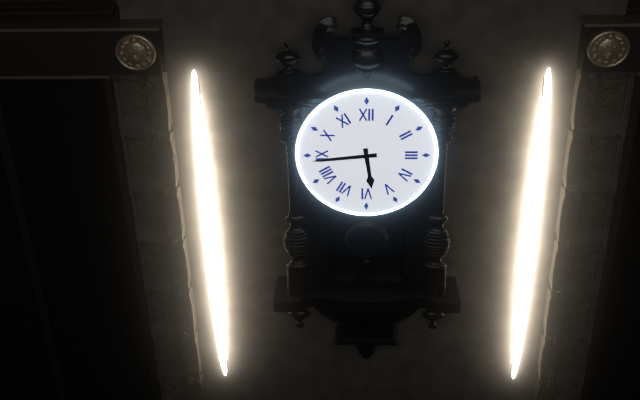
5:44
